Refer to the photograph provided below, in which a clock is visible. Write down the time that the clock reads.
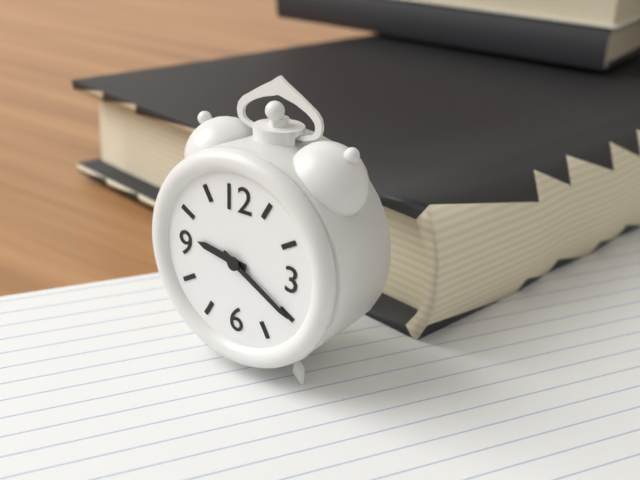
9:20
